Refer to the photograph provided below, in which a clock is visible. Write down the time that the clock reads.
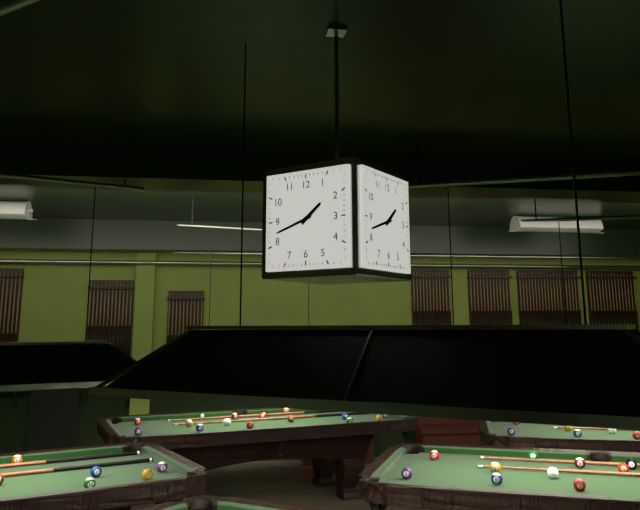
1:42
